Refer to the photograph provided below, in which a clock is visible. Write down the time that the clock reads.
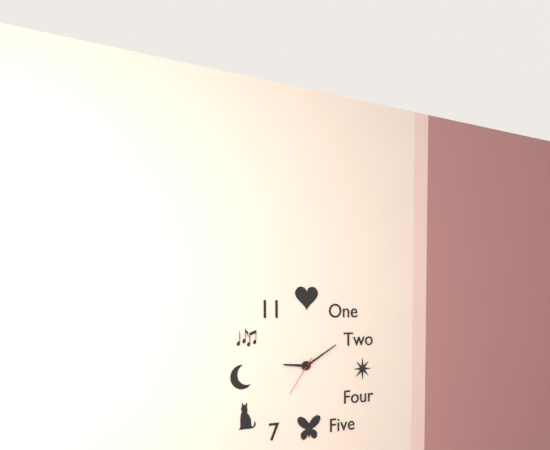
9:10
